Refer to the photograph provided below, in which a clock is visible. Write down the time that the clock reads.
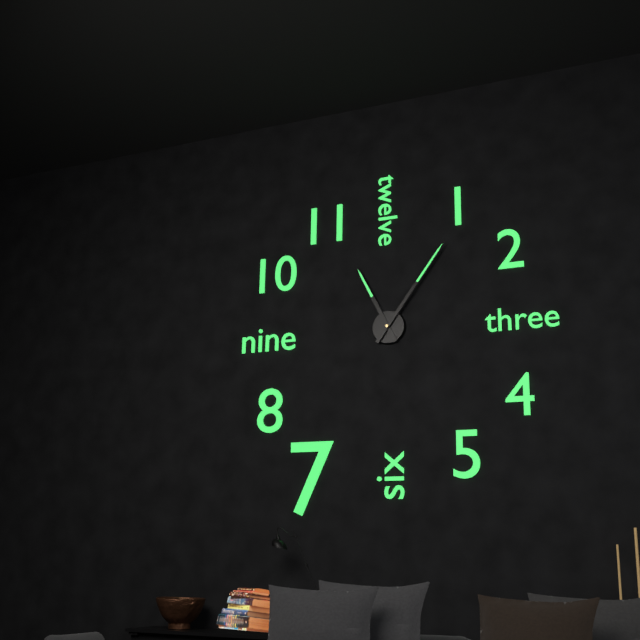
11:06
